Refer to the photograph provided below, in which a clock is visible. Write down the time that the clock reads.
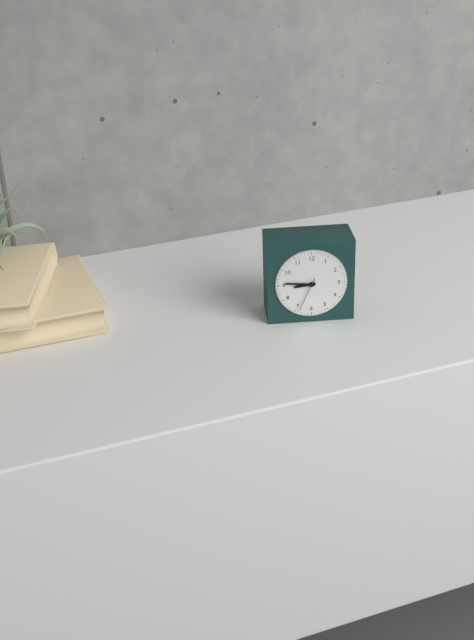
8:46
